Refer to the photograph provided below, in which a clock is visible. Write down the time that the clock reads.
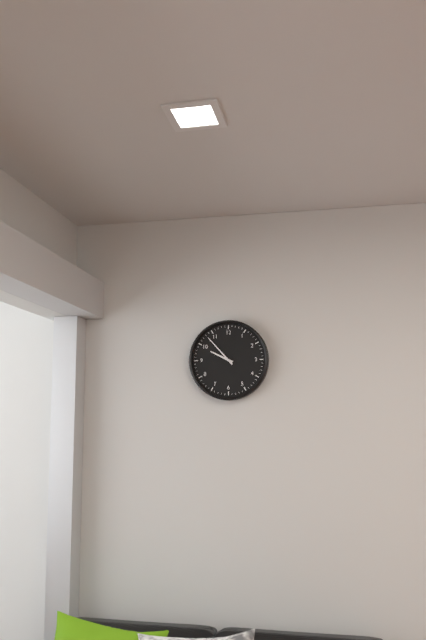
9:53
